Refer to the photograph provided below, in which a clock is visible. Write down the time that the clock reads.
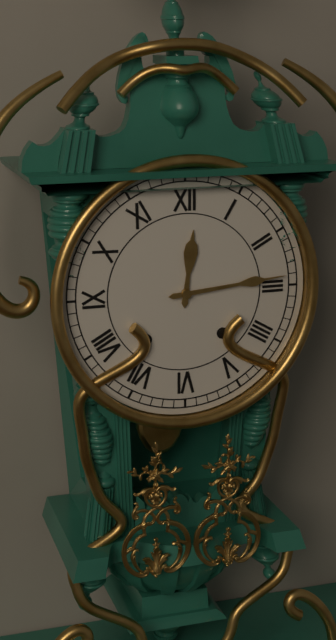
12:14
